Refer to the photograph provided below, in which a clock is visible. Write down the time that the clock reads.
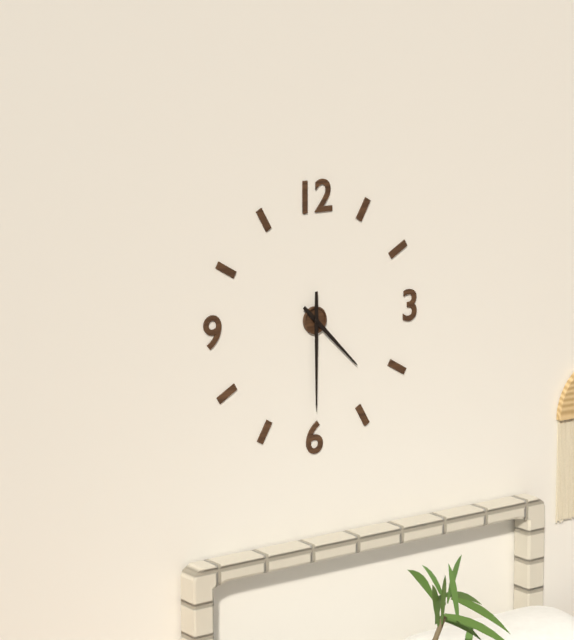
4:30
